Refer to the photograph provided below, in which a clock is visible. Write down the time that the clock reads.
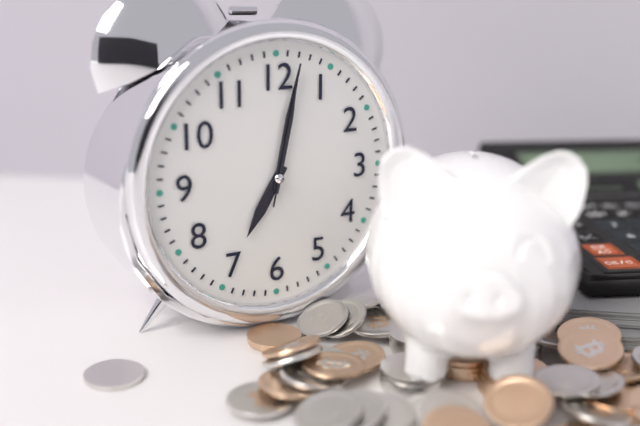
7:02:02
